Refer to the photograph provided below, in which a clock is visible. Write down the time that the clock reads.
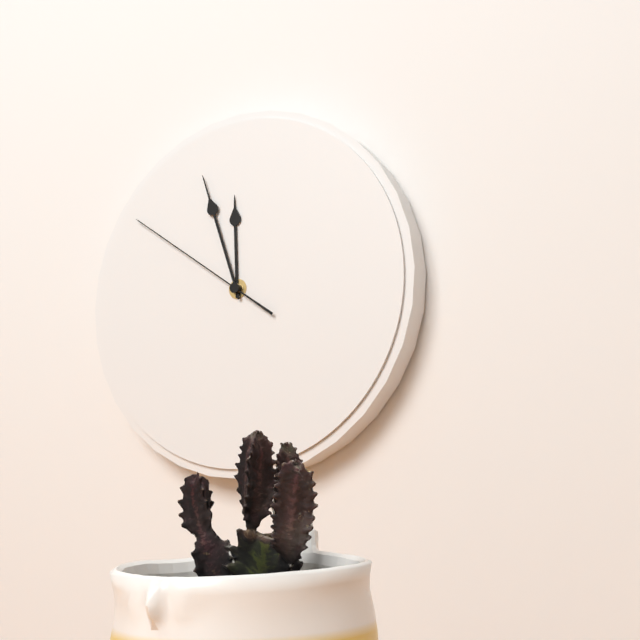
11:57:51
